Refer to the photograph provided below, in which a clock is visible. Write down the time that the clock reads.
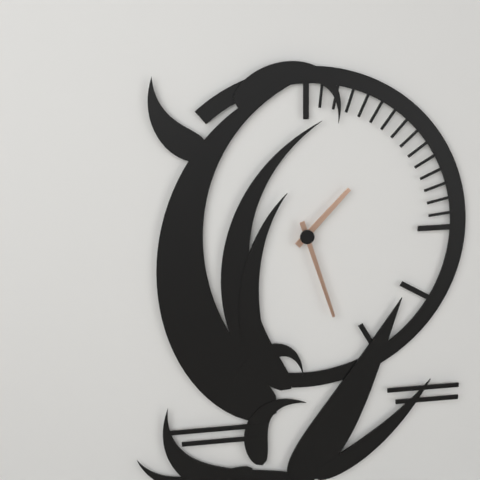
1:27
